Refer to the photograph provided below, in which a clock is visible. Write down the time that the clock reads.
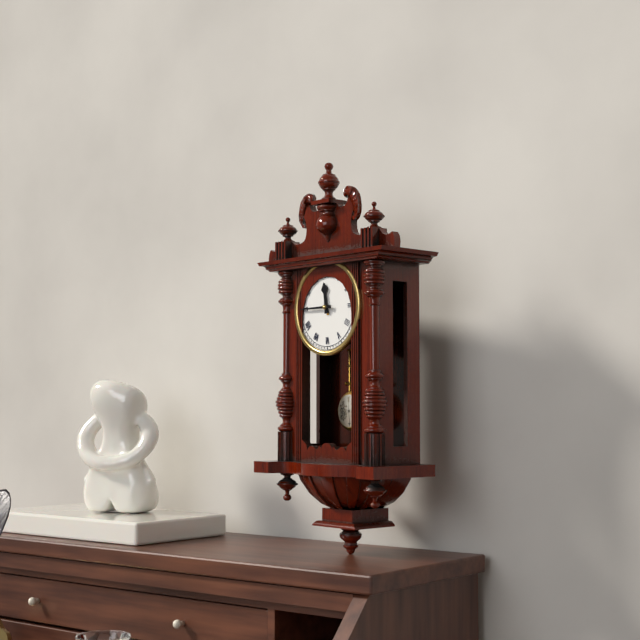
11:45
